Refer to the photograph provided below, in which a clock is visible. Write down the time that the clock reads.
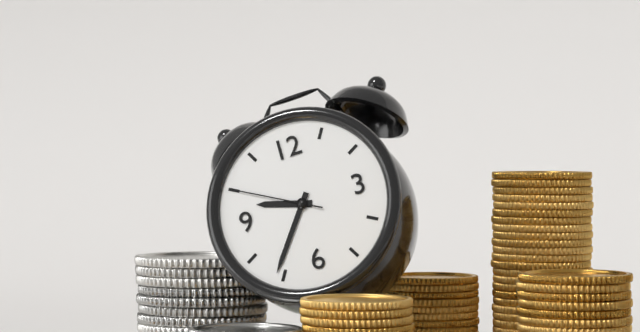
9:36:50
